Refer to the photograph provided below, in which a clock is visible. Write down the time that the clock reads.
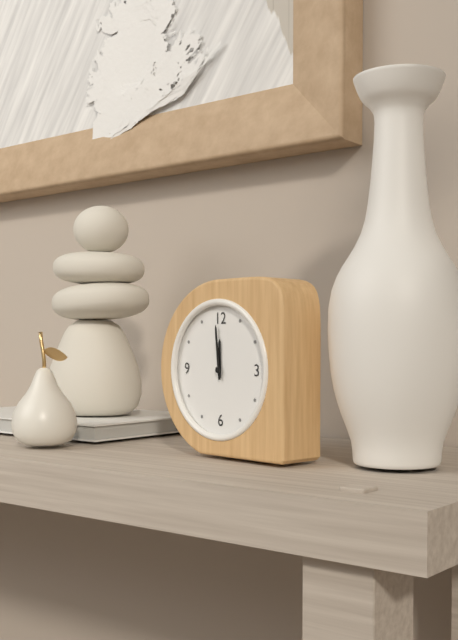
11:59
